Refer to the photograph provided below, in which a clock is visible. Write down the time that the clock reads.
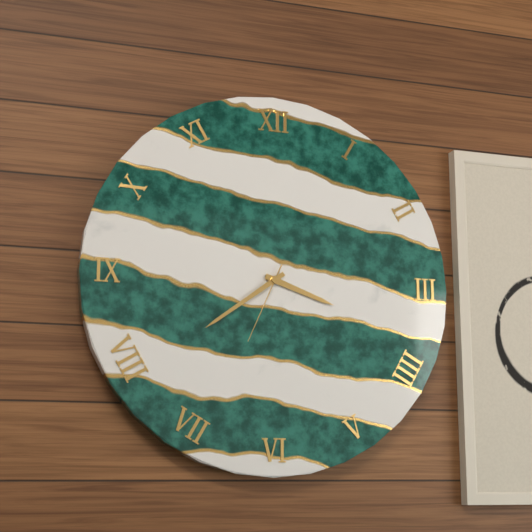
3:39:34
